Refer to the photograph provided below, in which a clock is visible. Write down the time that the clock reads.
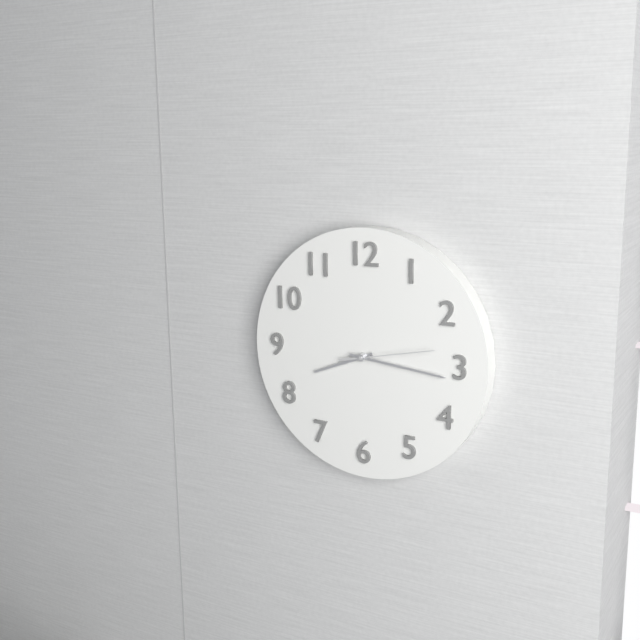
8:16:13
